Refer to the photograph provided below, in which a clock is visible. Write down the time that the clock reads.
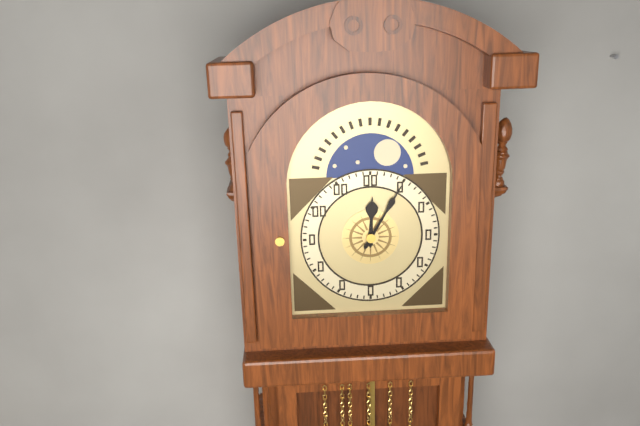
12:05
